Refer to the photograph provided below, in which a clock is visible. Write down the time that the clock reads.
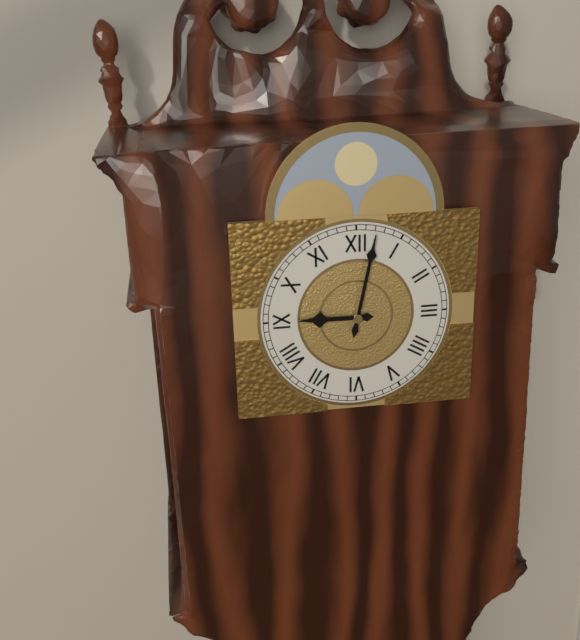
9:02
